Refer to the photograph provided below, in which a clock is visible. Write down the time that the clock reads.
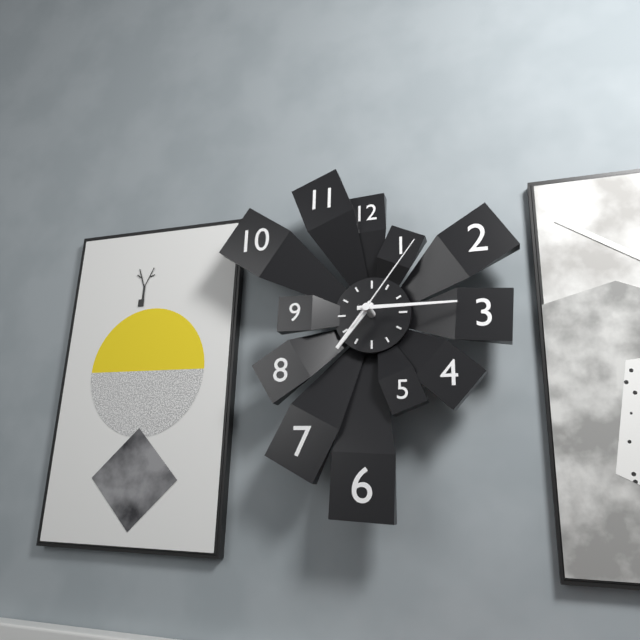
7:15:06
